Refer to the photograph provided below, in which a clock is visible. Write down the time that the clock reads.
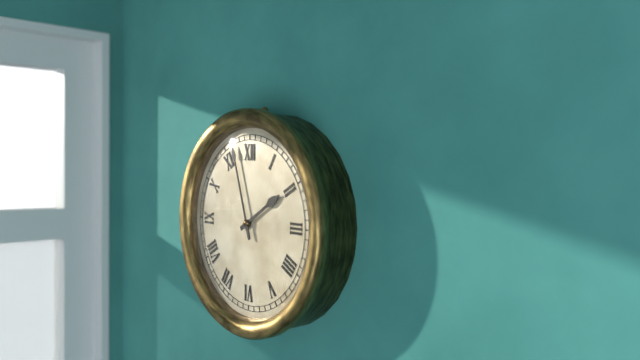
1:57
